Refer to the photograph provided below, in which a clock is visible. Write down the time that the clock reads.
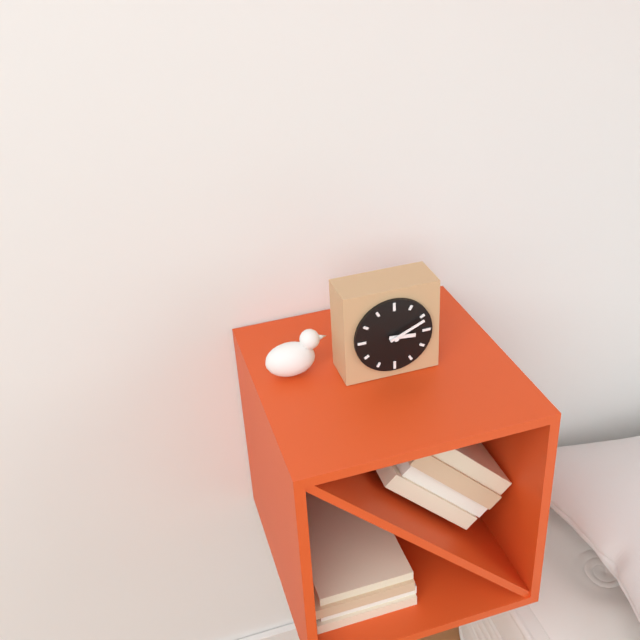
3:11
